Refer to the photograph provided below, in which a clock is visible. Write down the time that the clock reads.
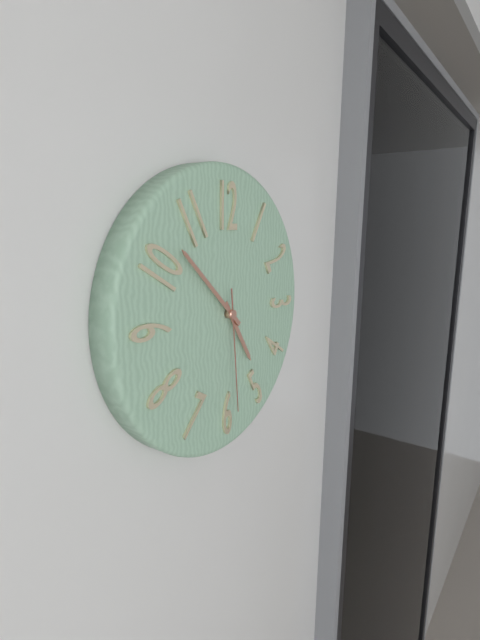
4:52:29
